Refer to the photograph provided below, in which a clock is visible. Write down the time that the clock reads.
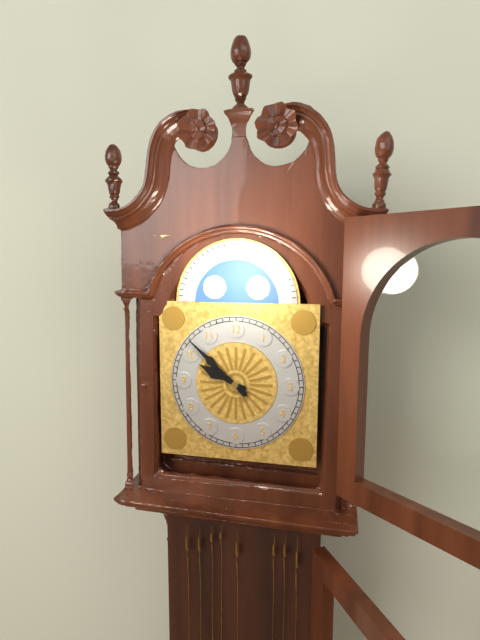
9:52
